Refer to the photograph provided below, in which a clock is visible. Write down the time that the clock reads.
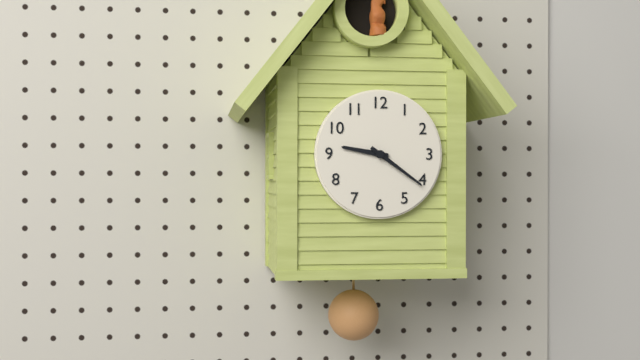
9:21
